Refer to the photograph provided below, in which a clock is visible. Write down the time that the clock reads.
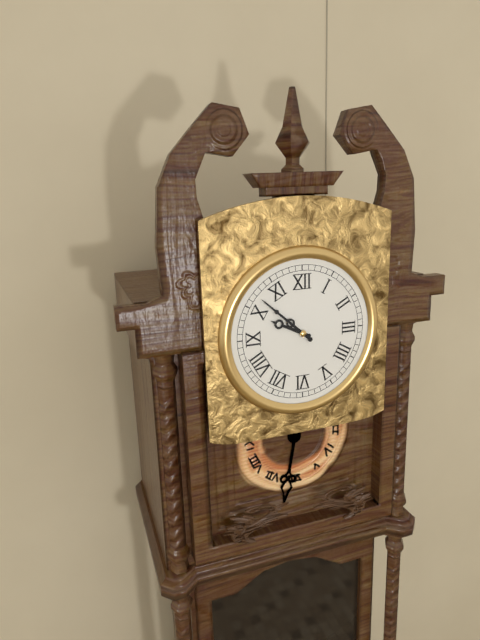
9:52
